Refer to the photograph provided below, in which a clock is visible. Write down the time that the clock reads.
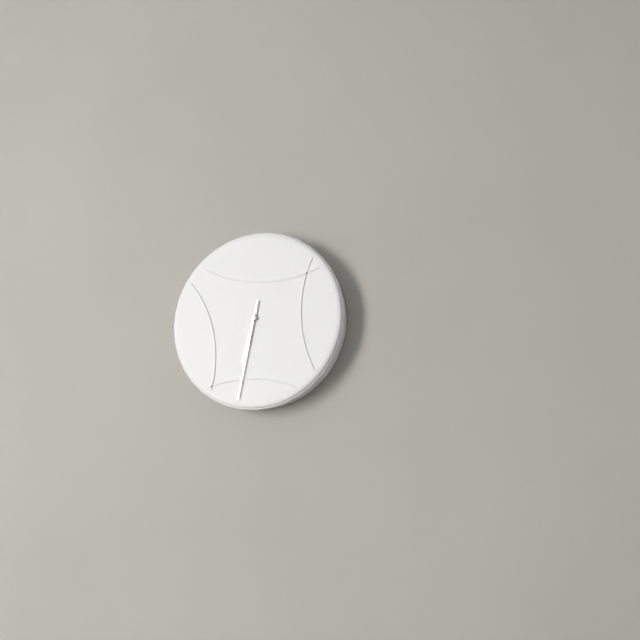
6:32
